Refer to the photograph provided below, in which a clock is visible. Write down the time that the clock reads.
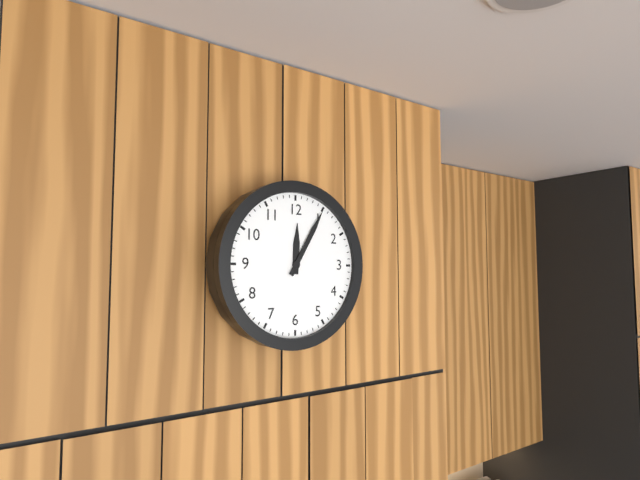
12:05
